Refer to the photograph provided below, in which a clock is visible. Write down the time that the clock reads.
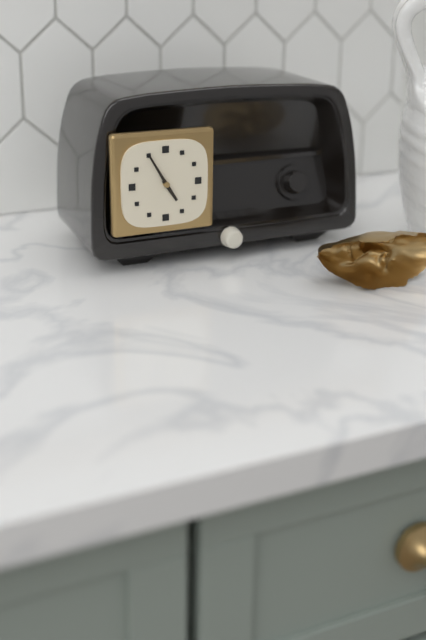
4:55
